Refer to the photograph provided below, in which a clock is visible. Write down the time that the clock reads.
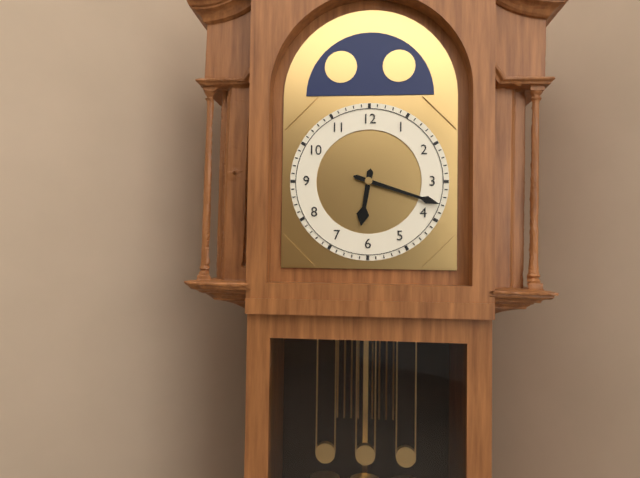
6:18
